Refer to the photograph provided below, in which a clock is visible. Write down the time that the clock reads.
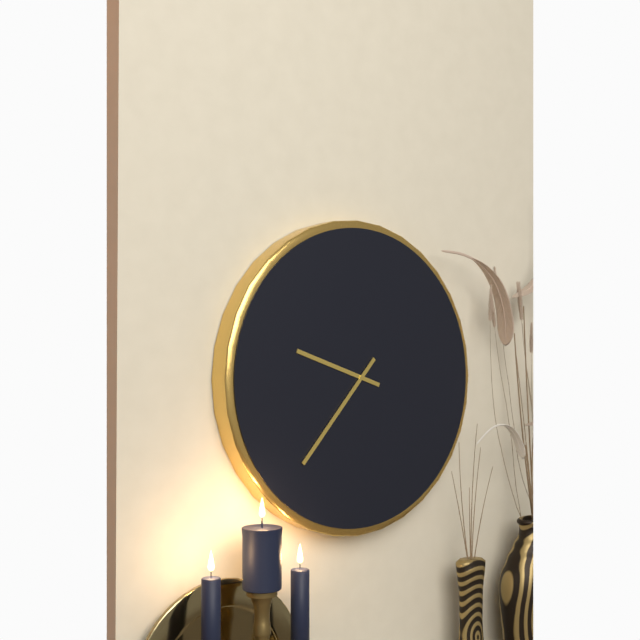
9:37
